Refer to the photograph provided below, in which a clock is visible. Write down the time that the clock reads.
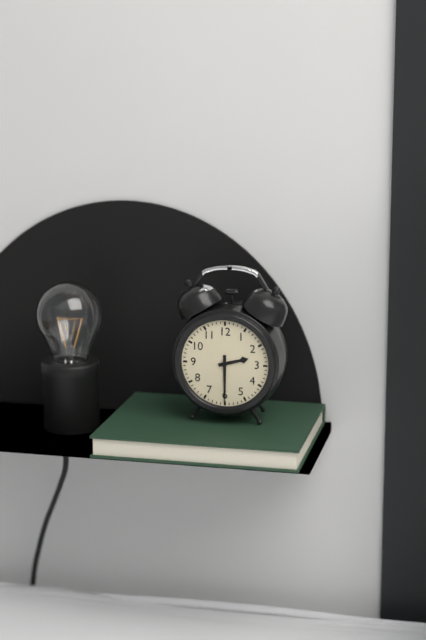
2:30
